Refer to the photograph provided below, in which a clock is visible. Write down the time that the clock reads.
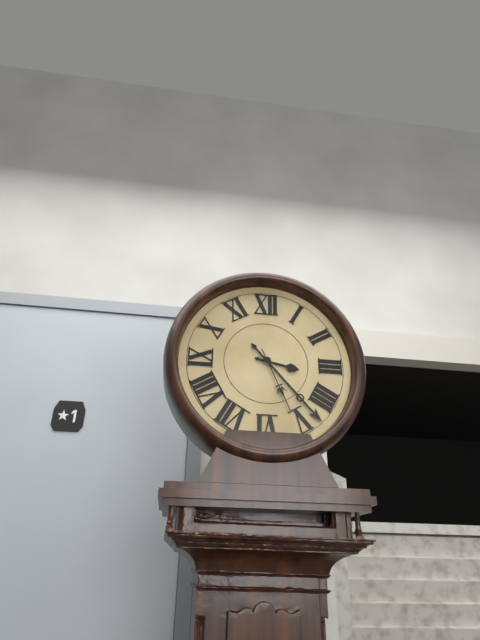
3:23:26
